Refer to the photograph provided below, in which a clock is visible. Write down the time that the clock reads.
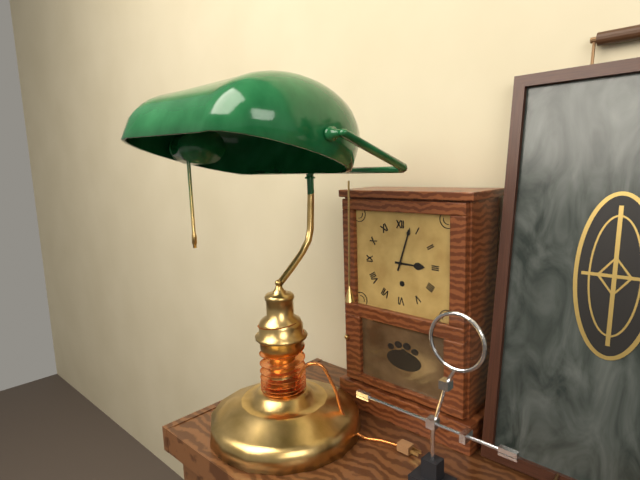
3:03
